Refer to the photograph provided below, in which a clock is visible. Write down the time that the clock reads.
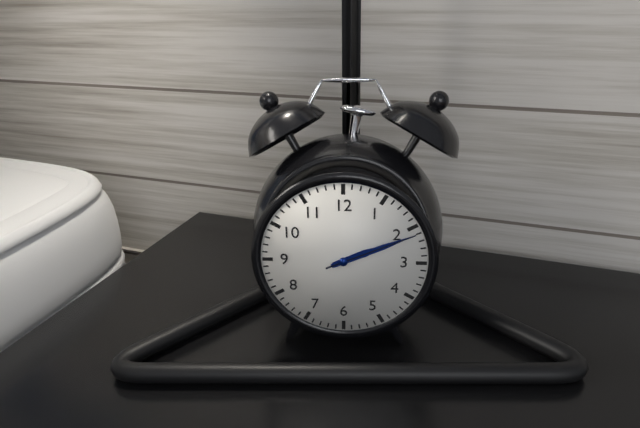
2:11:11
